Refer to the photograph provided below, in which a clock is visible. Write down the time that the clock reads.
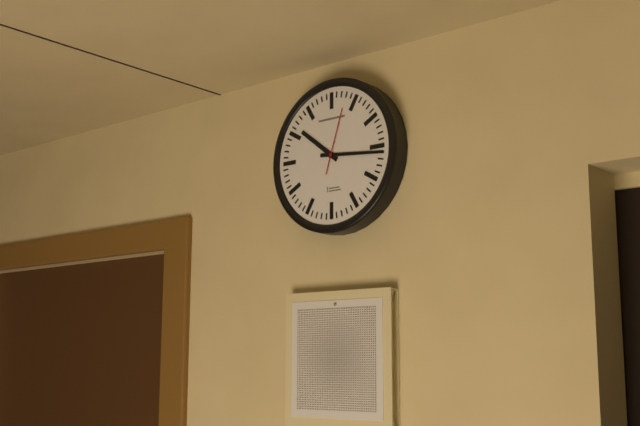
10:16:03
